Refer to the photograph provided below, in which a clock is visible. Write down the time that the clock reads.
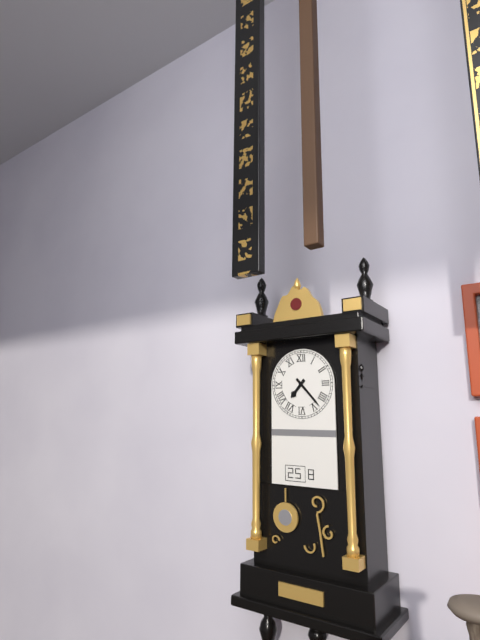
7:23
